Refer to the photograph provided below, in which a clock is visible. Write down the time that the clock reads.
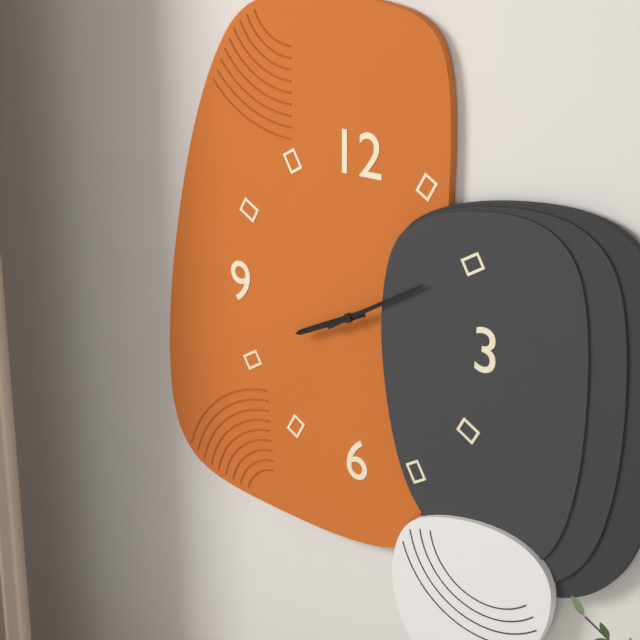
8:10
